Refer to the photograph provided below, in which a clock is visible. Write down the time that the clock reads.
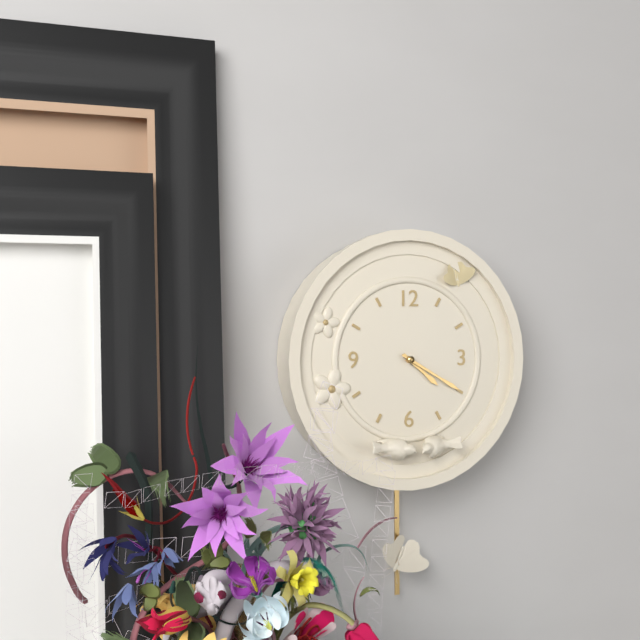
4:20
